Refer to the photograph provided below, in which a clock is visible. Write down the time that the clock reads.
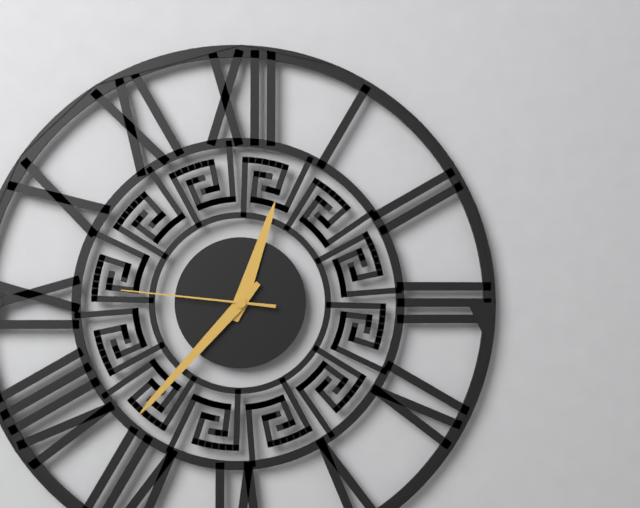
12:37:46
